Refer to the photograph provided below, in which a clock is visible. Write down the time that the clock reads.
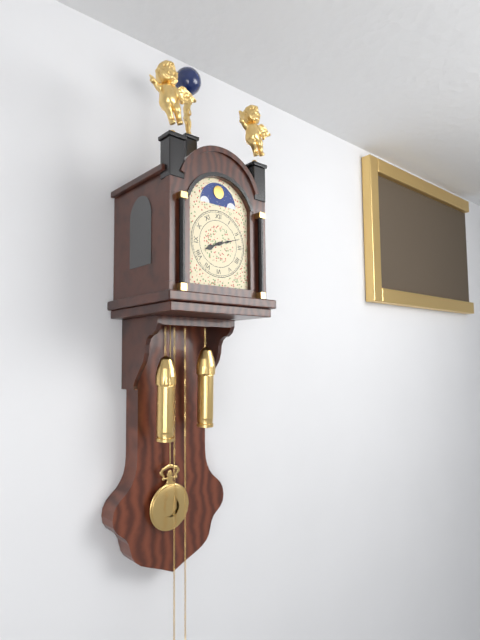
8:12
